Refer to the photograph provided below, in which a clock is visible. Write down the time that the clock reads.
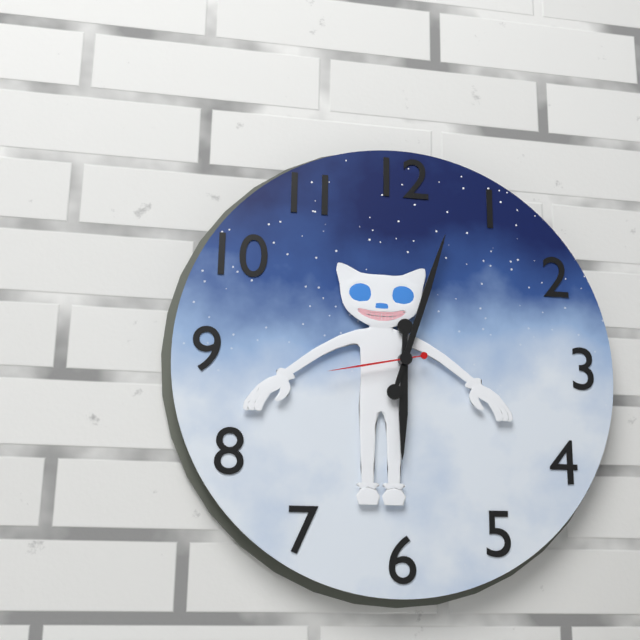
6:03:43
